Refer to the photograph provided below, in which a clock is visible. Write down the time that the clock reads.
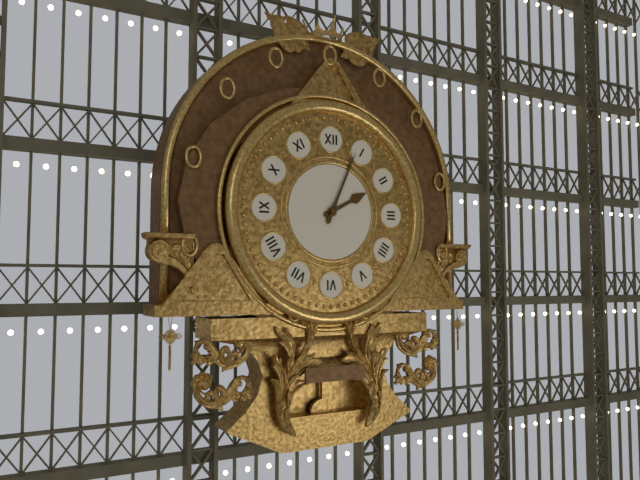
2:04
